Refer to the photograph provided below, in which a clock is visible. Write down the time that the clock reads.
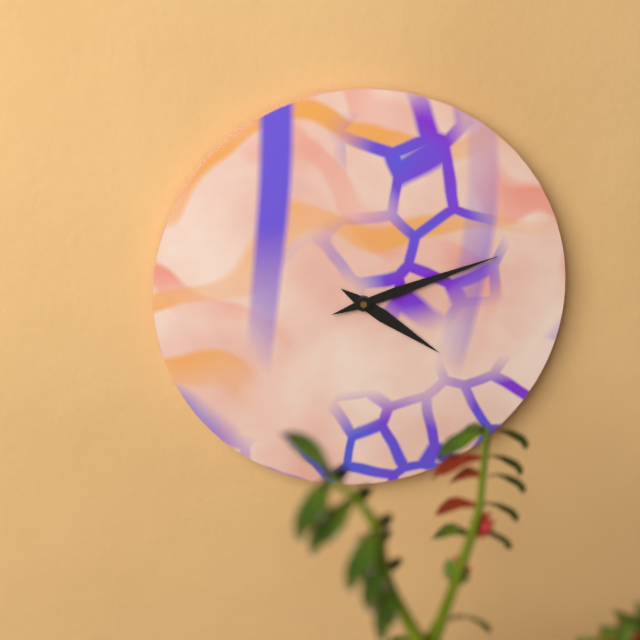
4:12
